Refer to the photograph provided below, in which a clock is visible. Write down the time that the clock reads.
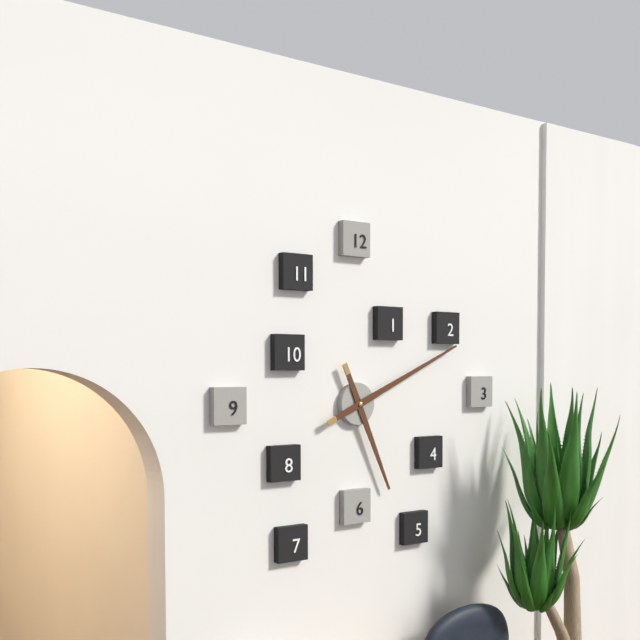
5:11
